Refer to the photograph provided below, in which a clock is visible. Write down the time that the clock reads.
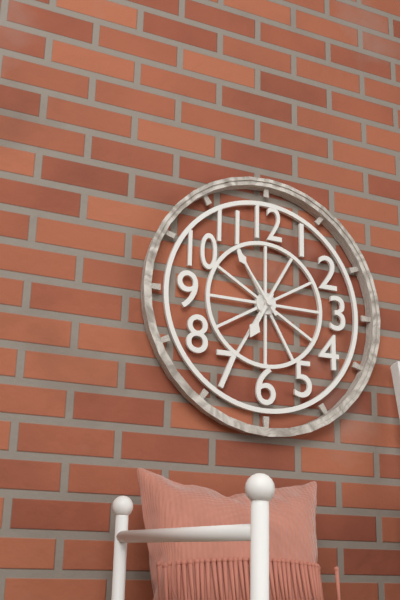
6:54
